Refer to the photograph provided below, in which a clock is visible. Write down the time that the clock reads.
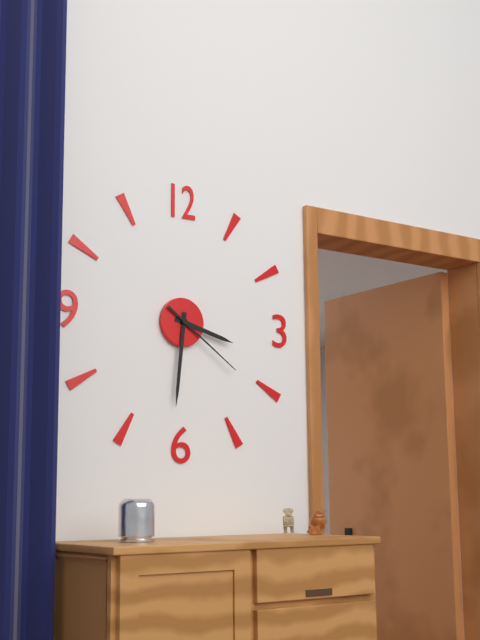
3:31:21
